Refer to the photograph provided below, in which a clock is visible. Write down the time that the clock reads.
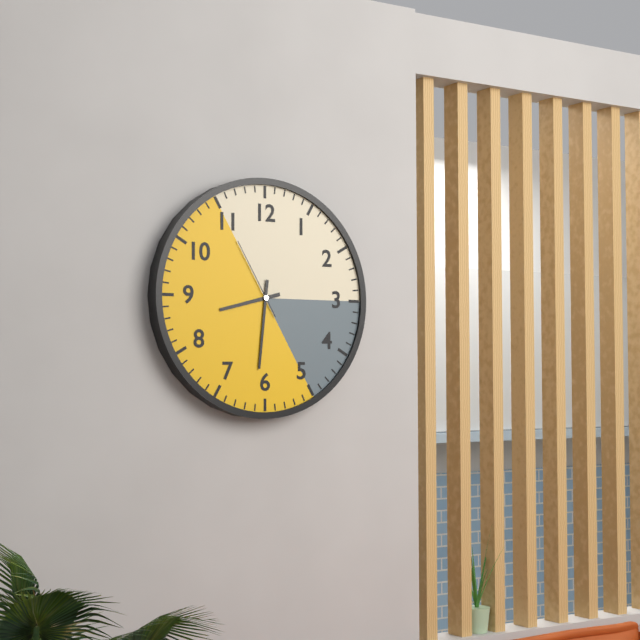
8:31:55
